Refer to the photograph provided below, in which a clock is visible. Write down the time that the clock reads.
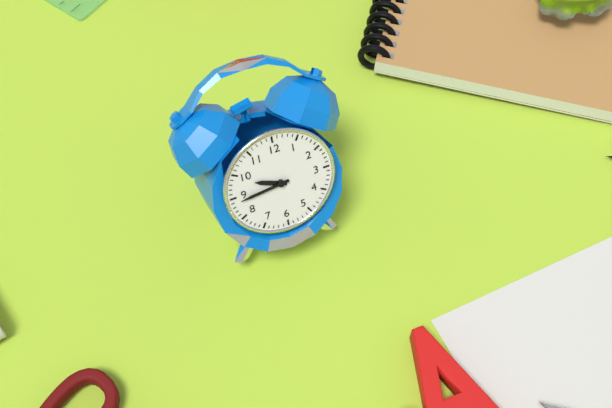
9:44
